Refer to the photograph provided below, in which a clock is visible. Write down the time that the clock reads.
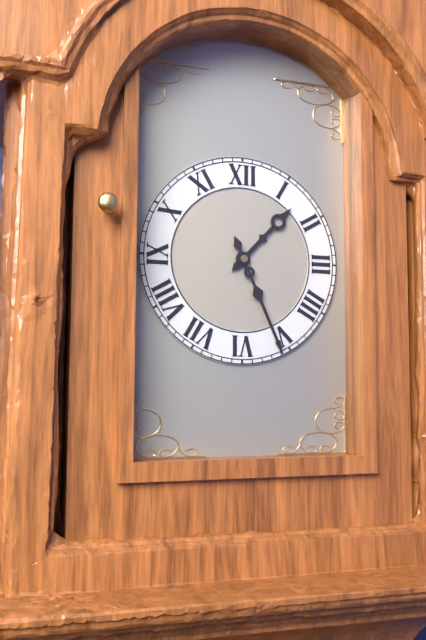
1:26
